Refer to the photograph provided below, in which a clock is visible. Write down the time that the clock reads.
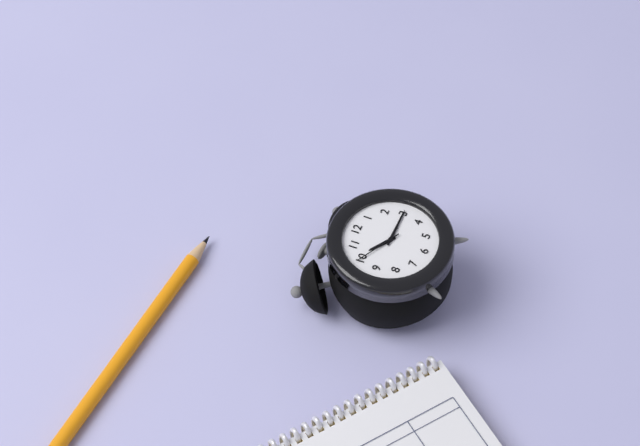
10:15
